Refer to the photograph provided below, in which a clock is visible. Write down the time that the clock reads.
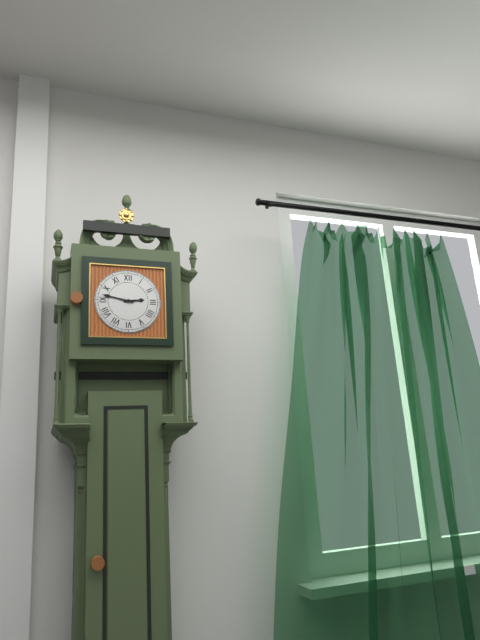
2:47
